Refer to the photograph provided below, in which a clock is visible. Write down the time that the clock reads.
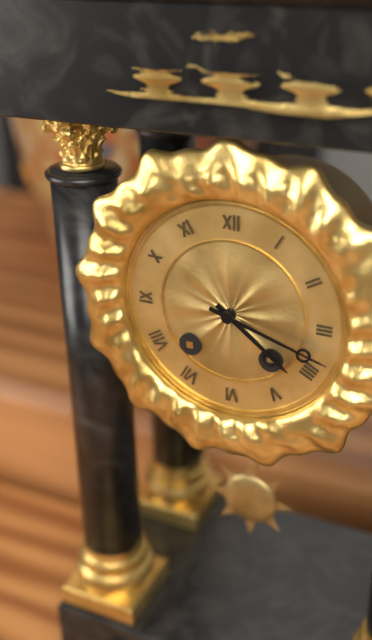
4:18
